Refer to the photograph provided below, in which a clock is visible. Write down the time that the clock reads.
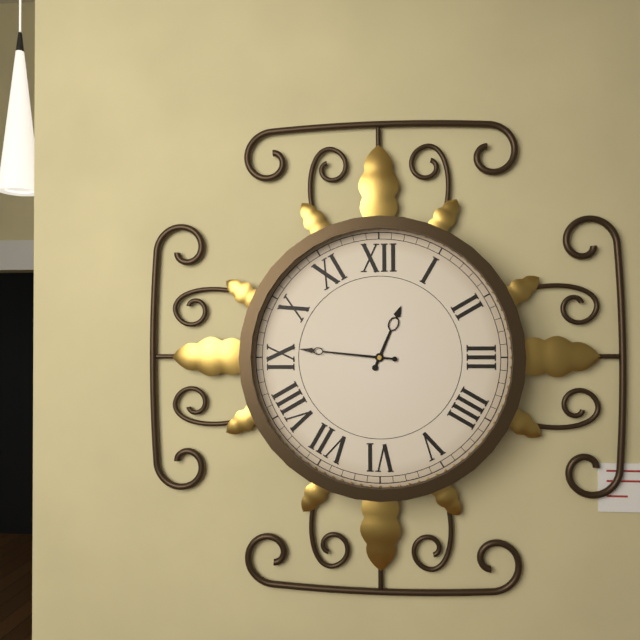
12:46
